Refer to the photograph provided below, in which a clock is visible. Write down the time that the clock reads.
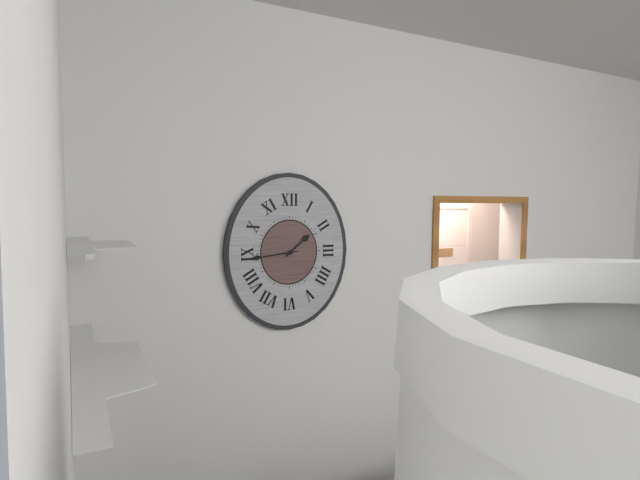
1:44
